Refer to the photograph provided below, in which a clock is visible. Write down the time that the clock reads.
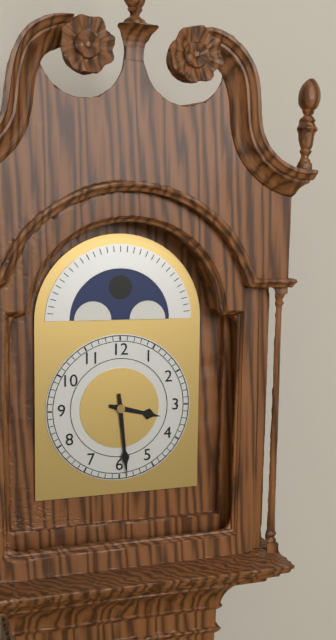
3:29
